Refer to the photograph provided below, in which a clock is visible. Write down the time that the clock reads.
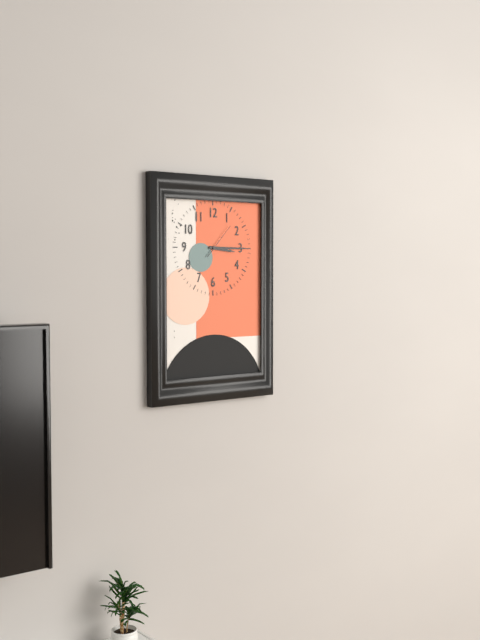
3:15
